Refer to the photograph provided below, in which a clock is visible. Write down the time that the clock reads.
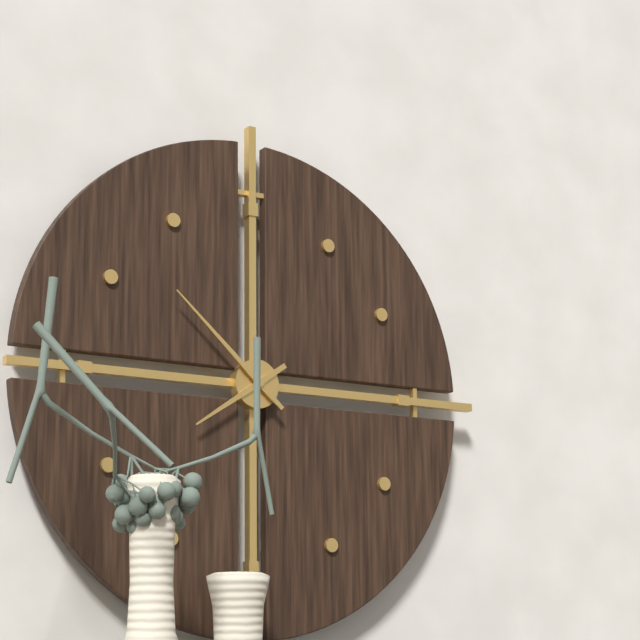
7:52
